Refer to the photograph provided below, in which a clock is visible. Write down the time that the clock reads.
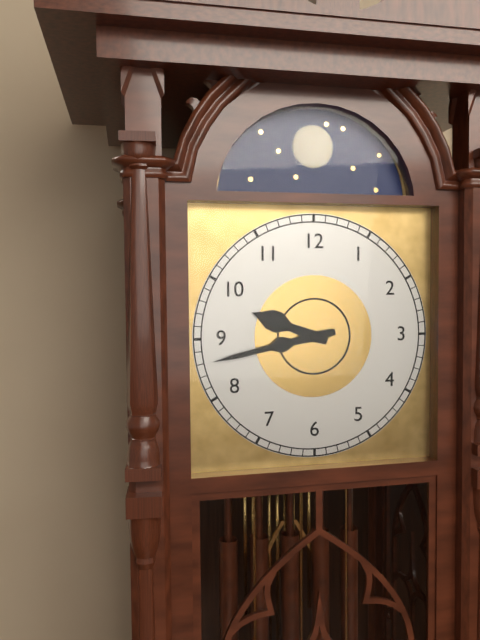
9:43
